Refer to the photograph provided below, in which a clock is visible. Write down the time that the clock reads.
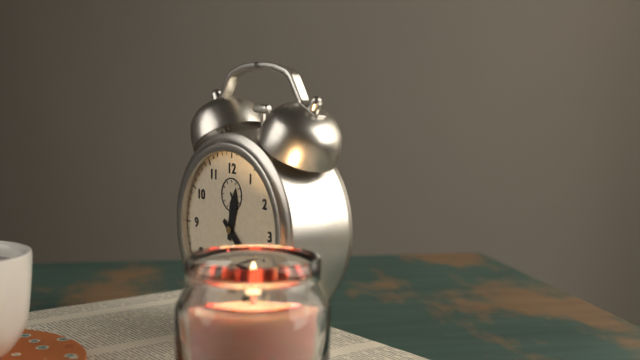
12:22
